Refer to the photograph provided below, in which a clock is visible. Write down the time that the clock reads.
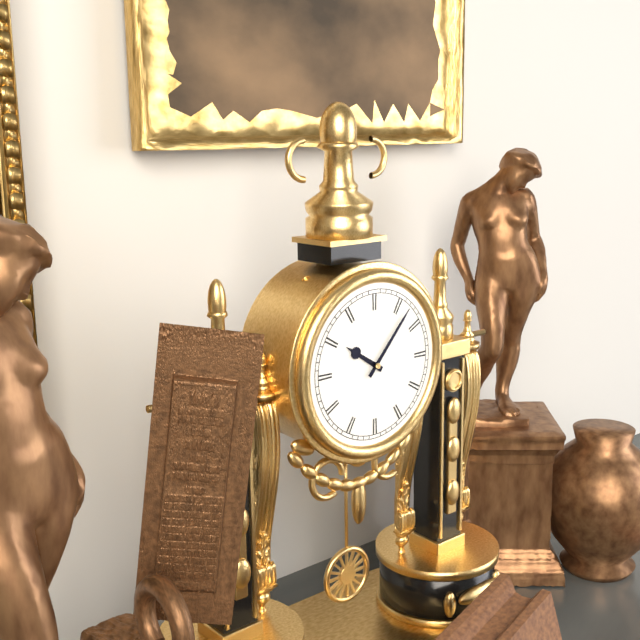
10:07
